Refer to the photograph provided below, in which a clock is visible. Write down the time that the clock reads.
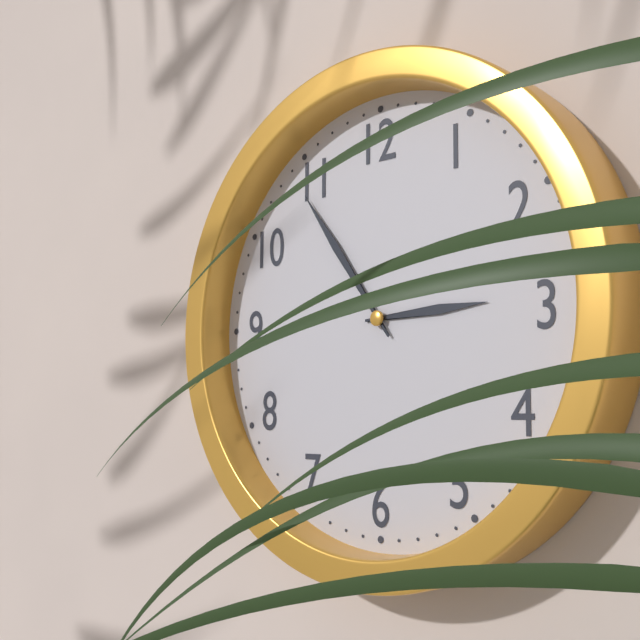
2:54
